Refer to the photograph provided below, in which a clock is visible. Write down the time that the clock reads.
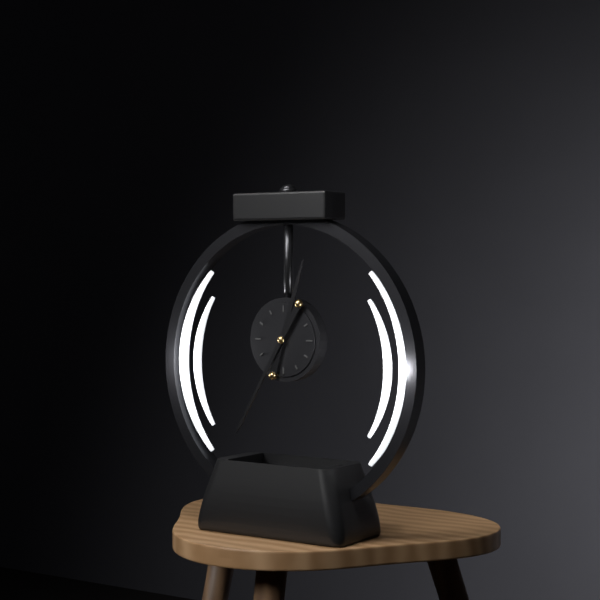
12:35
